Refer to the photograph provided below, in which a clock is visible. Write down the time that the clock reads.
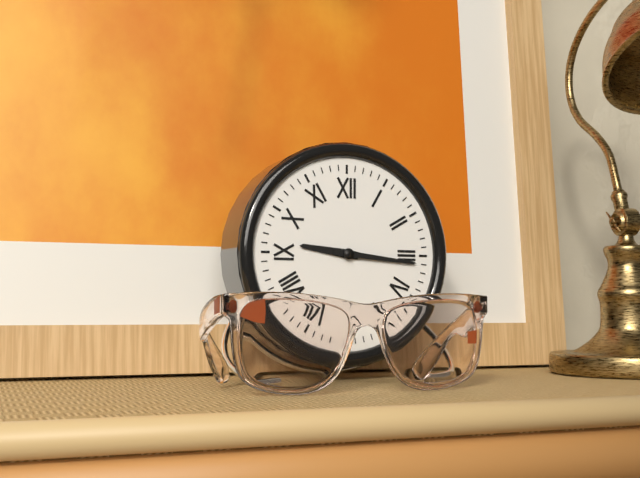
9:16
